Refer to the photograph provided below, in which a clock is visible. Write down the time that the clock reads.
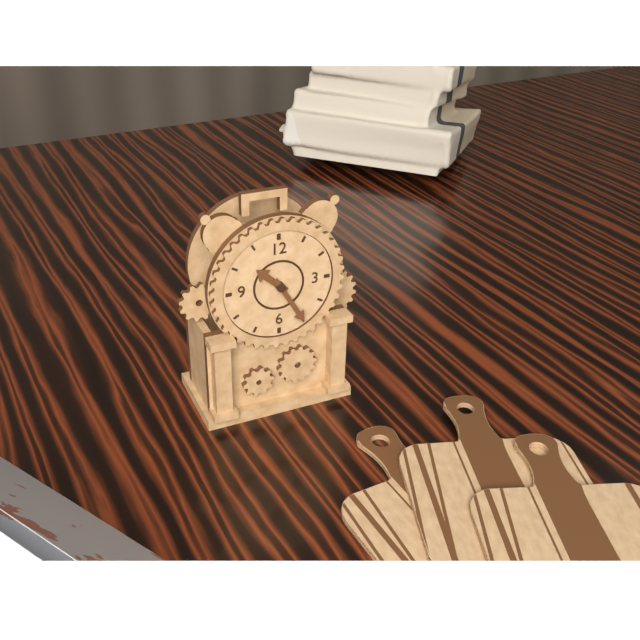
10:25
